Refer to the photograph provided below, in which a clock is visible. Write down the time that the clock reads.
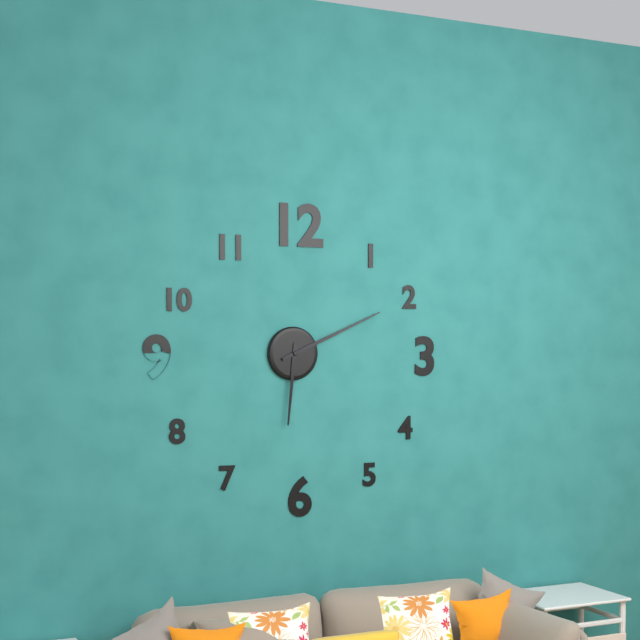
6:11
